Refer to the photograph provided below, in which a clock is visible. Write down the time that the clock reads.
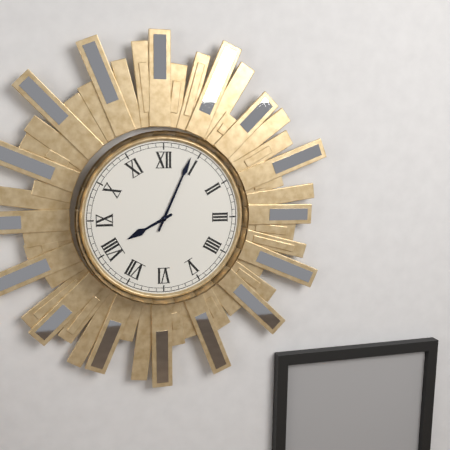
8:04
